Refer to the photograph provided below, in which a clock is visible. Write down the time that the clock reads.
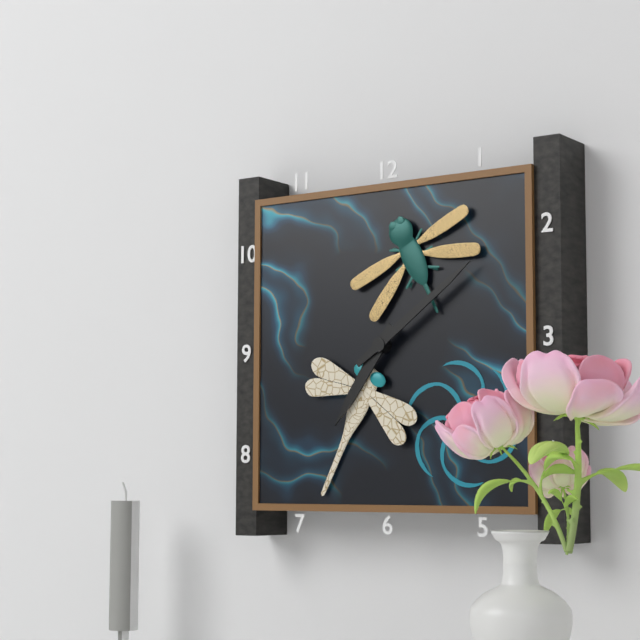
7:09
